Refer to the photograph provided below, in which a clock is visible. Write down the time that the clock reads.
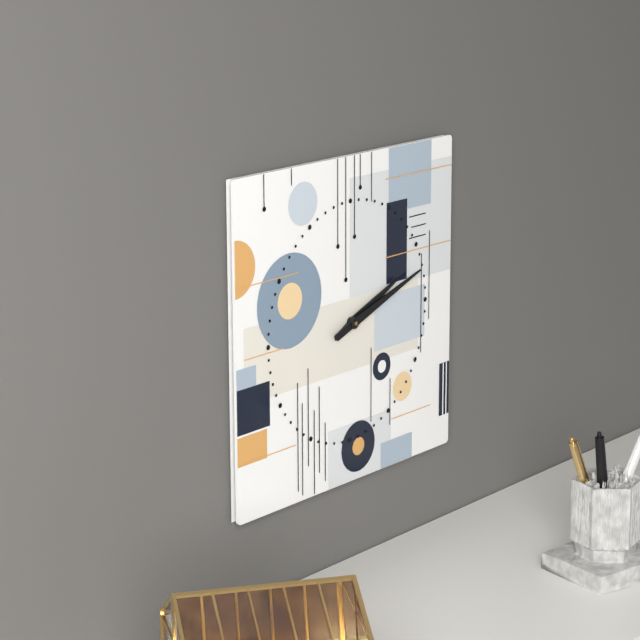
2:12
